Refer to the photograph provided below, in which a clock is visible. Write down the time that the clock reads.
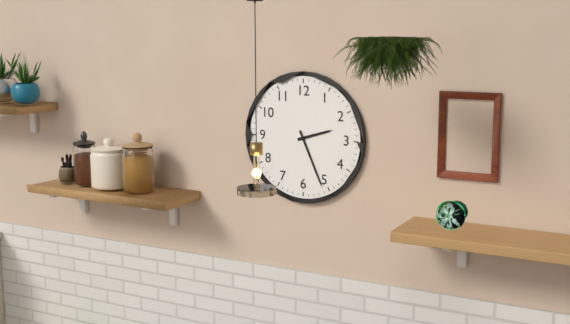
2:26
